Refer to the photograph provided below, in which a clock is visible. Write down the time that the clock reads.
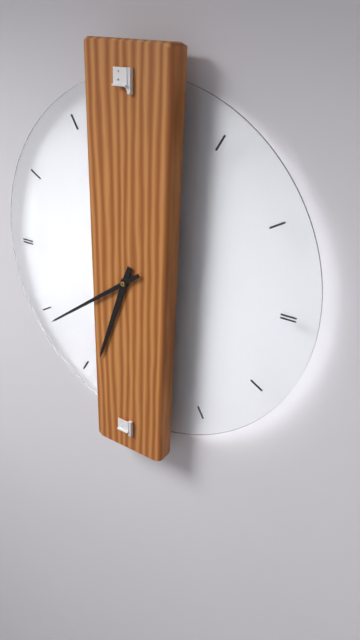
6:39
